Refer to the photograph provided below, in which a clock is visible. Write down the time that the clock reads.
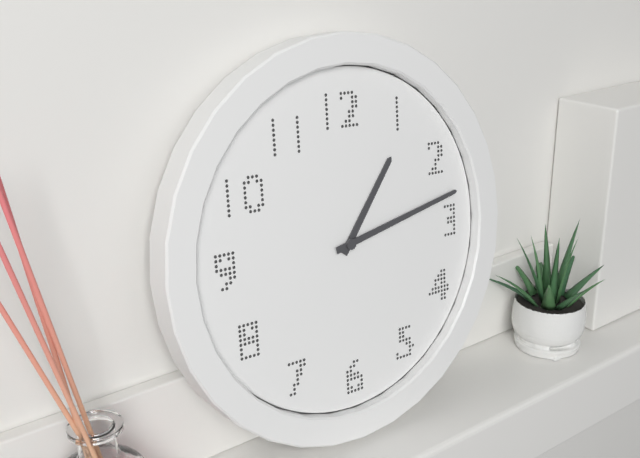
1:13
